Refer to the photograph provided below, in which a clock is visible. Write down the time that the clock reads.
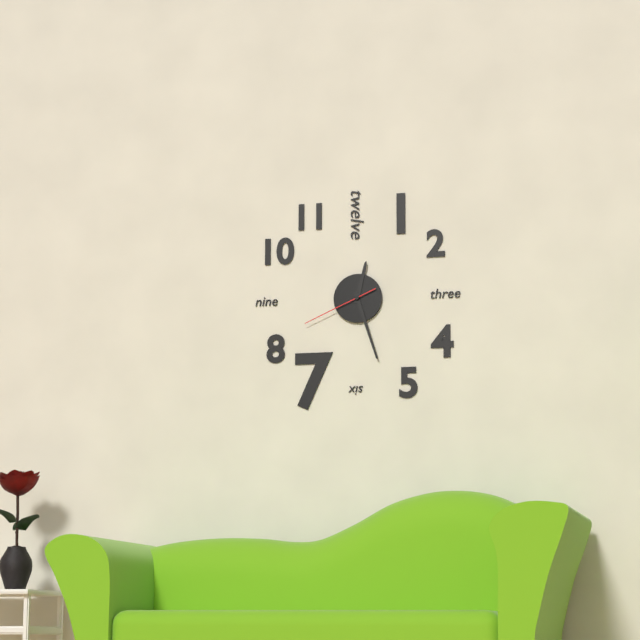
12:27:41
